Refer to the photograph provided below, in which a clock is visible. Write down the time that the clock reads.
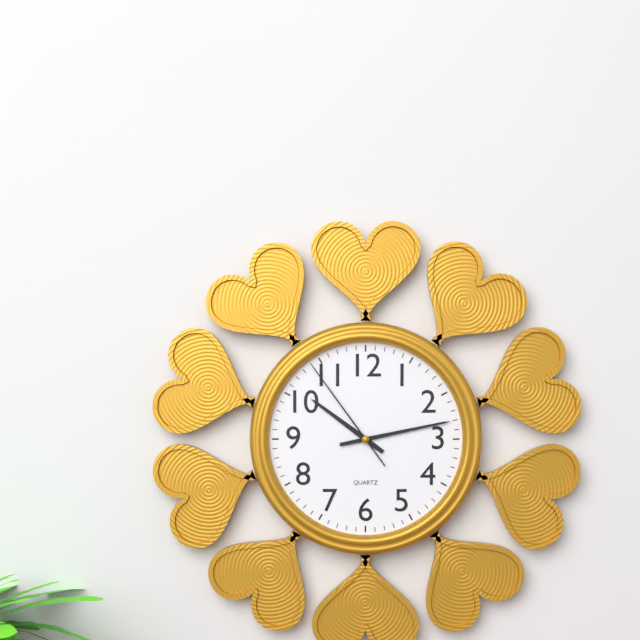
10:13:54
